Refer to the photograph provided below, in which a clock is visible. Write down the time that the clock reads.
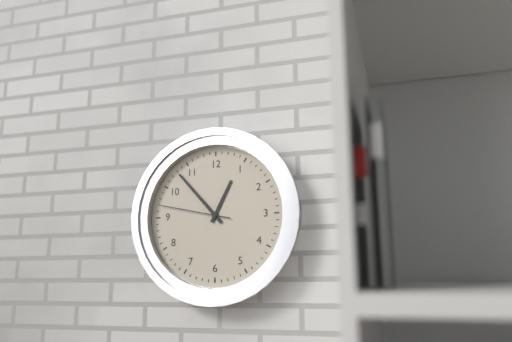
12:53:47
